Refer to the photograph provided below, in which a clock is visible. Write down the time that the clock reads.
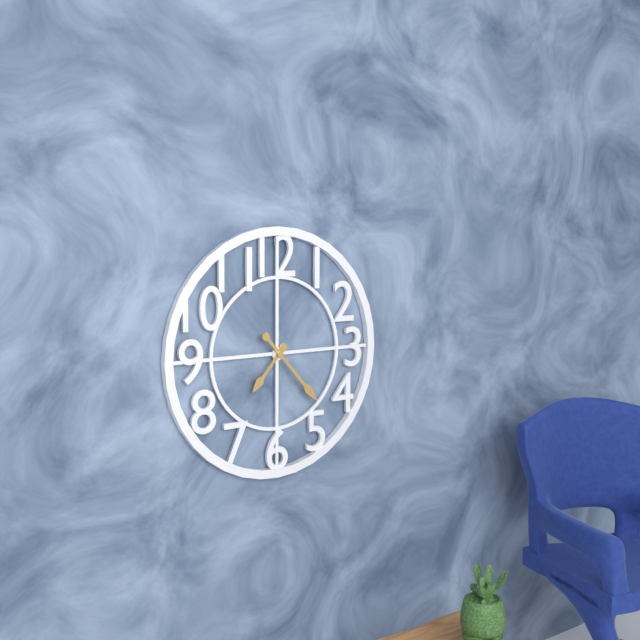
7:23
